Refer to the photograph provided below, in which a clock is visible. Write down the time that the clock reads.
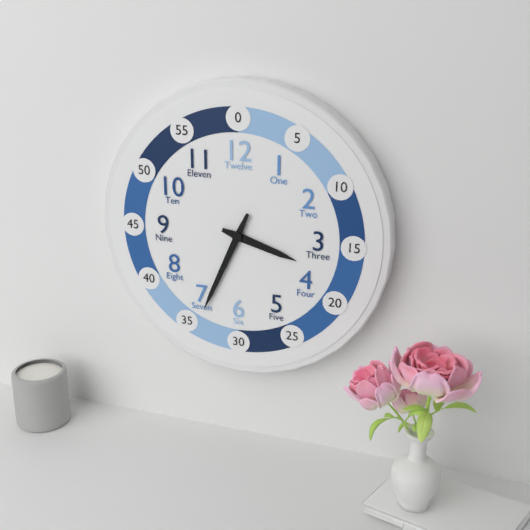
3:34
